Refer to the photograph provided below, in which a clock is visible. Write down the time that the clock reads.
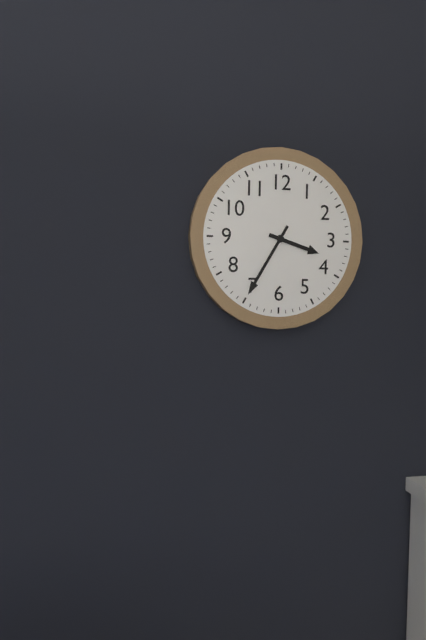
3:35
